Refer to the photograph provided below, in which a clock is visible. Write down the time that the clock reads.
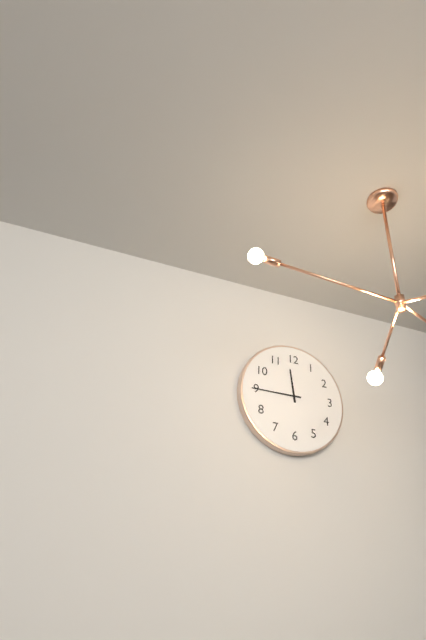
11:45
